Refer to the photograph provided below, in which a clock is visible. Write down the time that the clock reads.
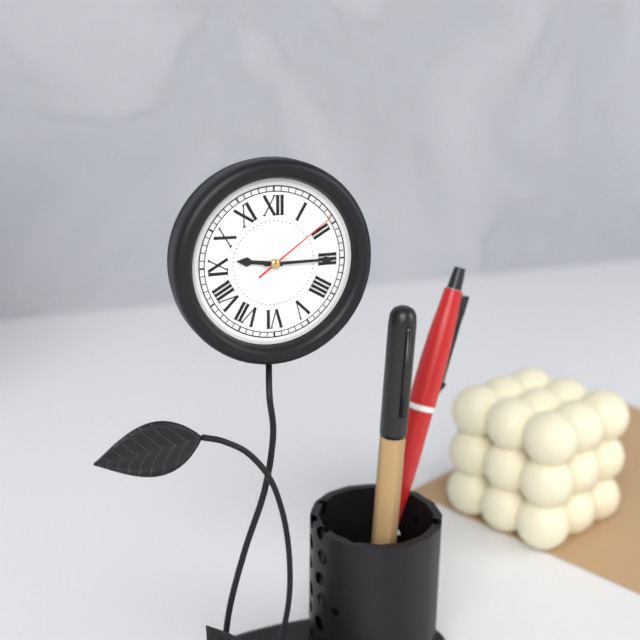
9:15:09
